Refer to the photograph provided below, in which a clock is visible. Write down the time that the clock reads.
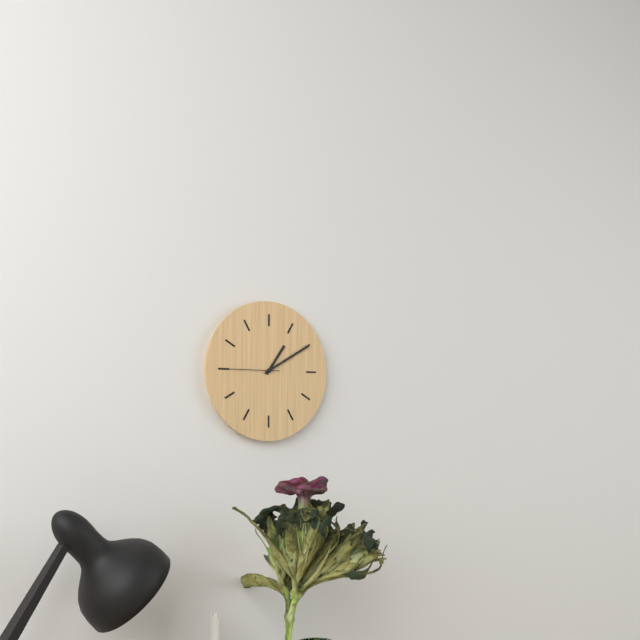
1:10:45
